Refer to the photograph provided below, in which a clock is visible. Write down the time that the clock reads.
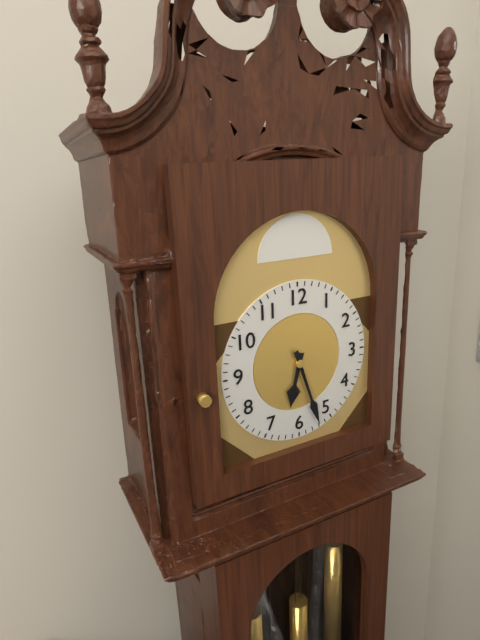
6:27
